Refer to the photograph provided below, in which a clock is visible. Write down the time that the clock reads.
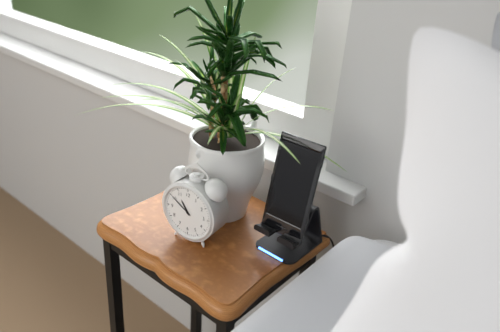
10:50
